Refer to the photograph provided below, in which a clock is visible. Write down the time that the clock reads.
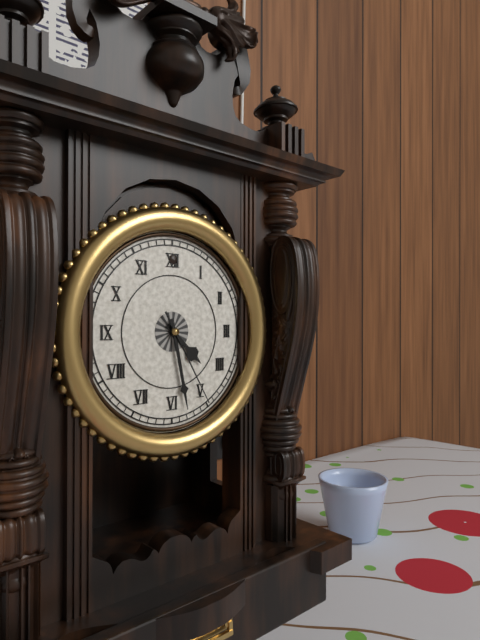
4:28:25
